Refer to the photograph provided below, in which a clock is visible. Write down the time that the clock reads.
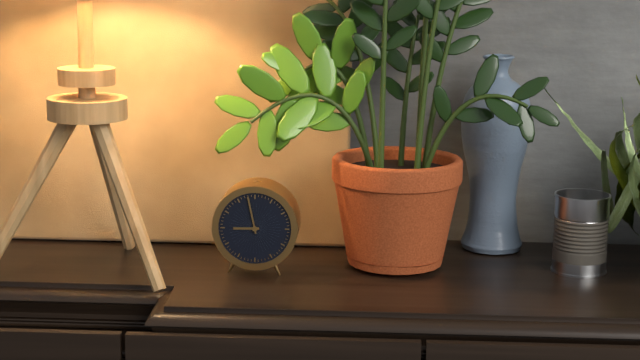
8:58
